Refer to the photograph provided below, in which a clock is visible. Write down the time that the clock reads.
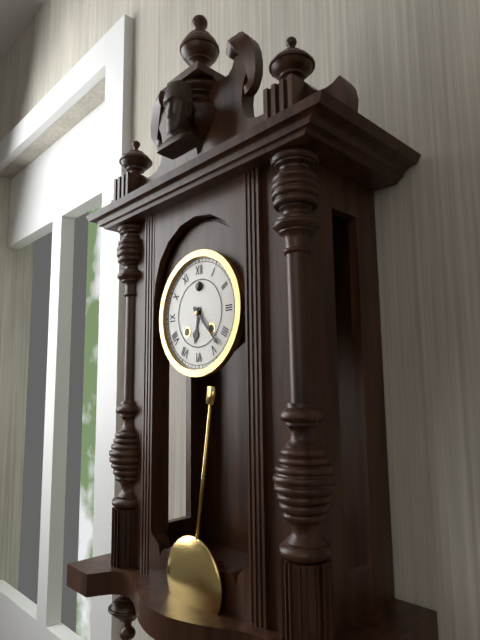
6:23
